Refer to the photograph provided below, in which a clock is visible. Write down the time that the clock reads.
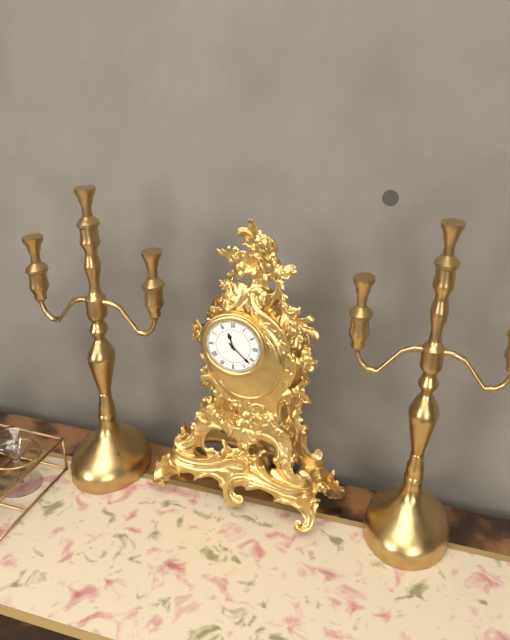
11:22
